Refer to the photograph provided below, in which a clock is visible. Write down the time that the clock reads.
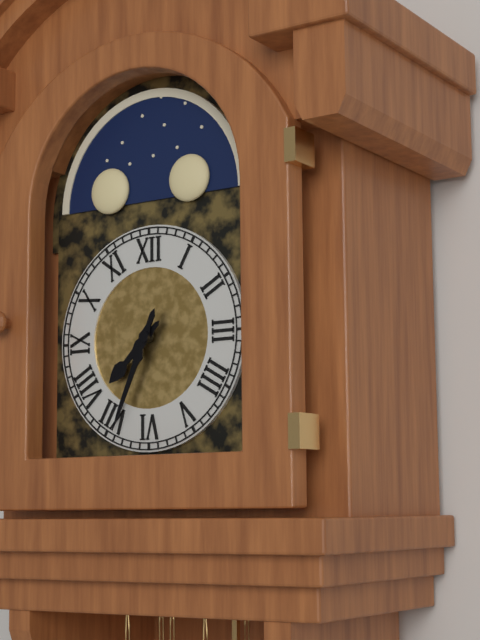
7:34
